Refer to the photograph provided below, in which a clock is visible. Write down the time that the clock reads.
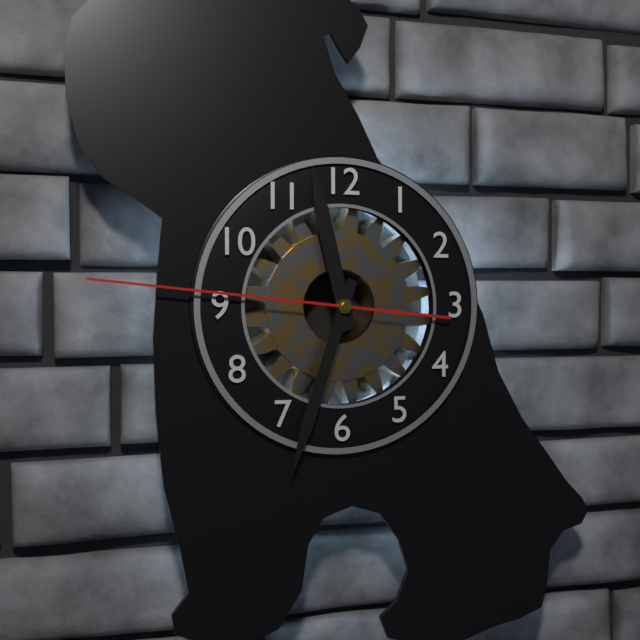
11:33:46
